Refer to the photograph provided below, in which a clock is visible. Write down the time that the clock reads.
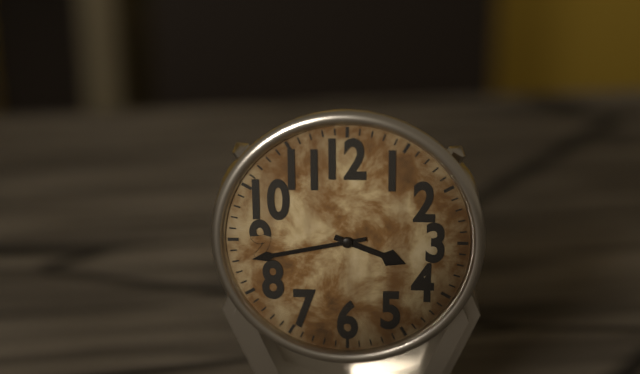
3:43
